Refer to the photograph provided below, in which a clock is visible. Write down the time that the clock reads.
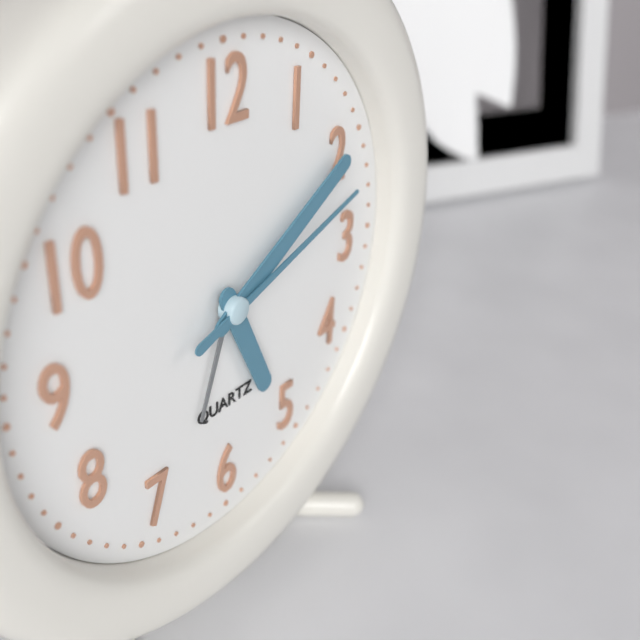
5:10:12
